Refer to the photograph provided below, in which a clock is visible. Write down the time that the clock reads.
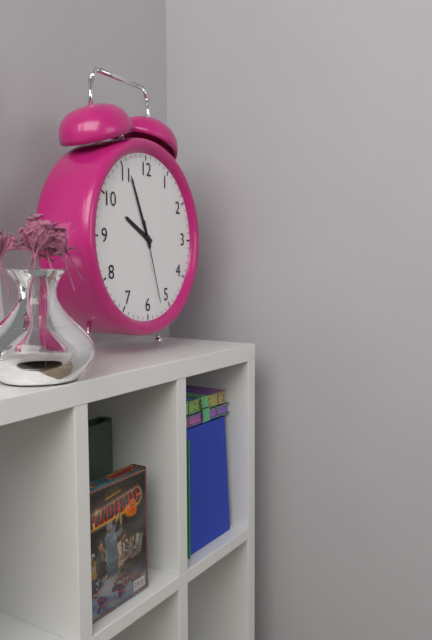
9:56:27
